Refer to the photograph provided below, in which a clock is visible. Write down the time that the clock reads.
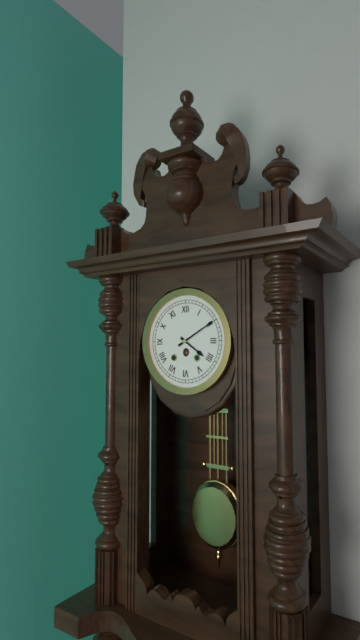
4:10
